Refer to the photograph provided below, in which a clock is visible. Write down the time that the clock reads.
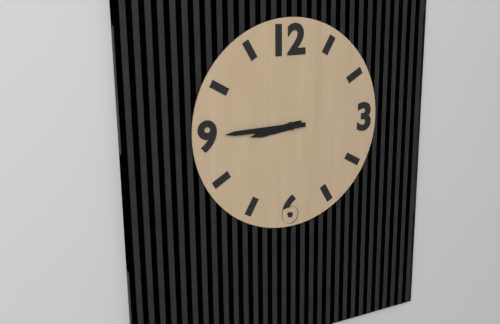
8:45
